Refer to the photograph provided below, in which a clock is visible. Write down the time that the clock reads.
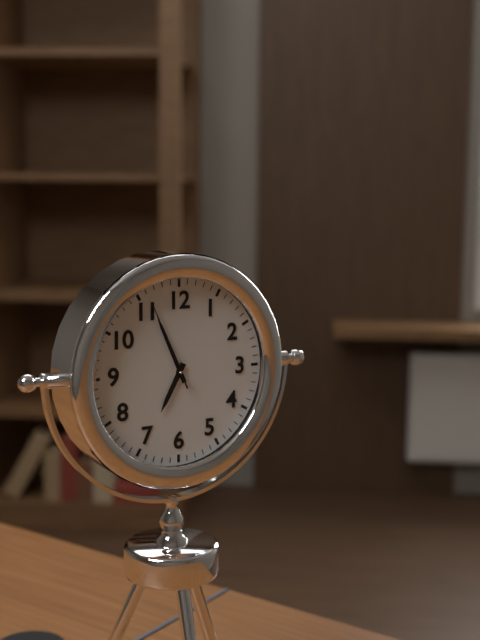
6:56:56
